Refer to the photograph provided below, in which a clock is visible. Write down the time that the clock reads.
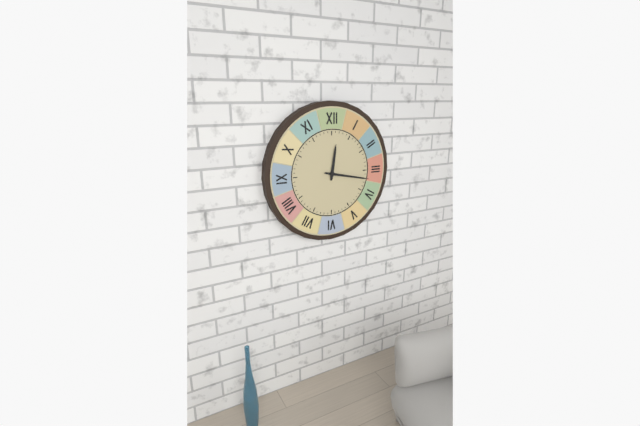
12:17
